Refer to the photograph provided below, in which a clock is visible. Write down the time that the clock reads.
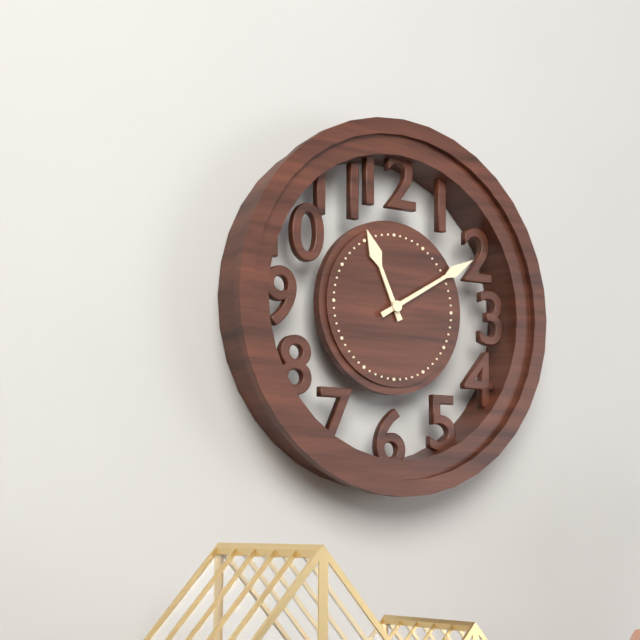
11:10
